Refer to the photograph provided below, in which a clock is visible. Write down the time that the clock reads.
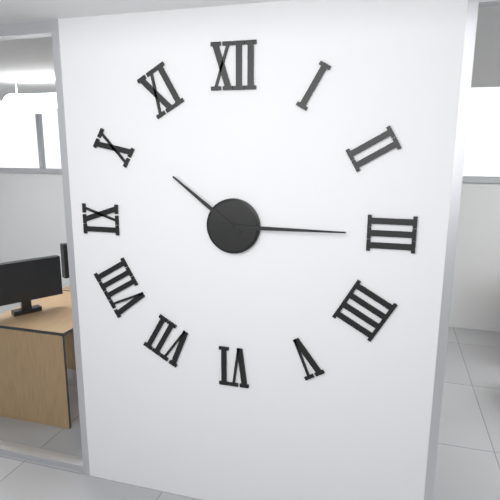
10:15
